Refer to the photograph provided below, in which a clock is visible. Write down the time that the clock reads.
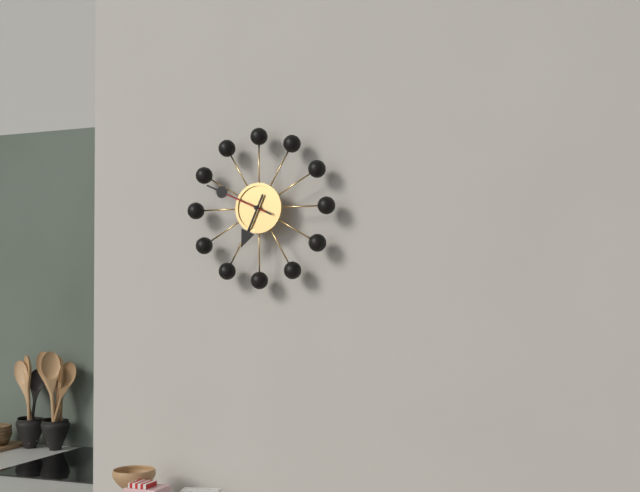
6:49
